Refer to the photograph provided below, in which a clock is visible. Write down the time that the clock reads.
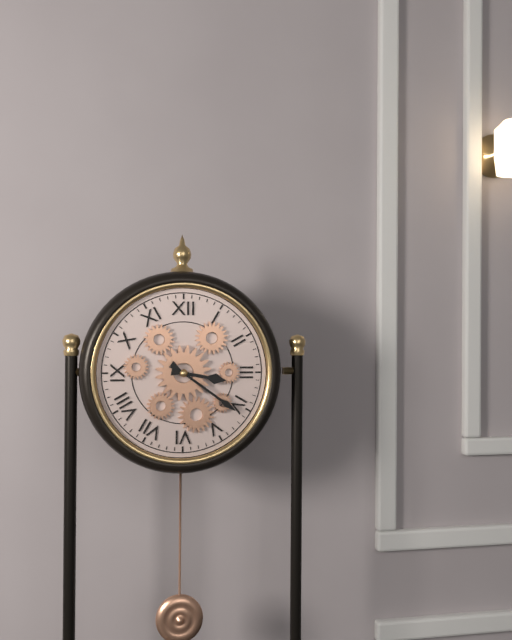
3:21
